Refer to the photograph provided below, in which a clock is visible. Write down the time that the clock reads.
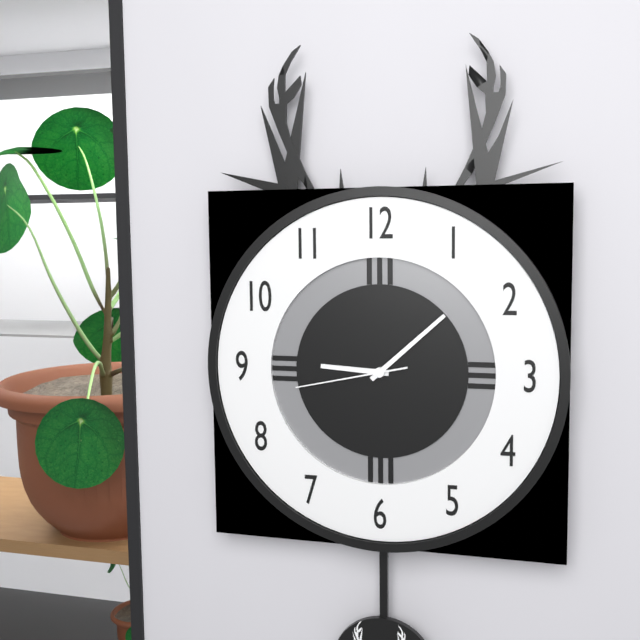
9:08:43
